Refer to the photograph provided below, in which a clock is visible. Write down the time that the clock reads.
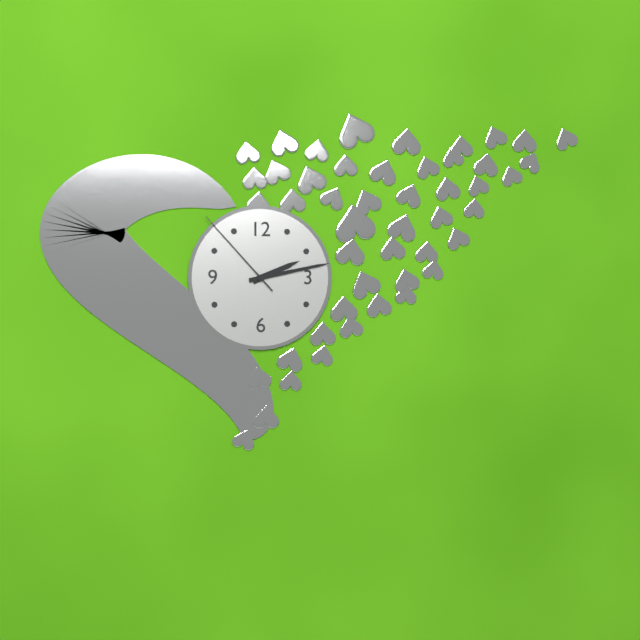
2:13:53
